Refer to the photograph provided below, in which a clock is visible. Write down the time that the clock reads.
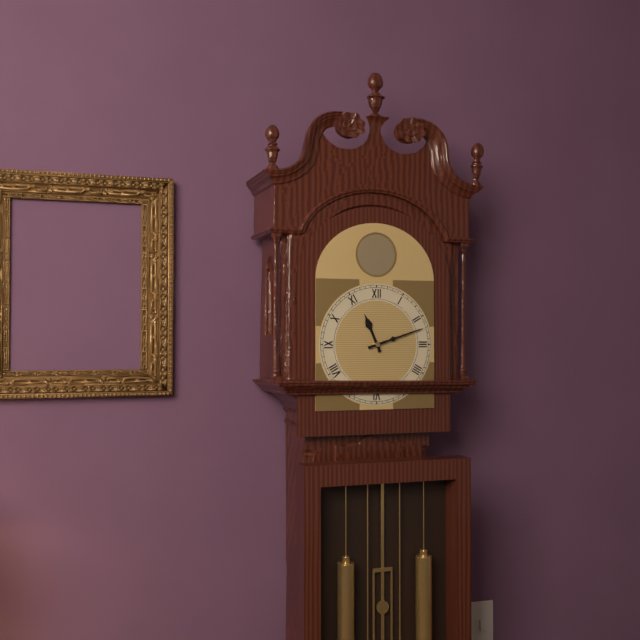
11:12
